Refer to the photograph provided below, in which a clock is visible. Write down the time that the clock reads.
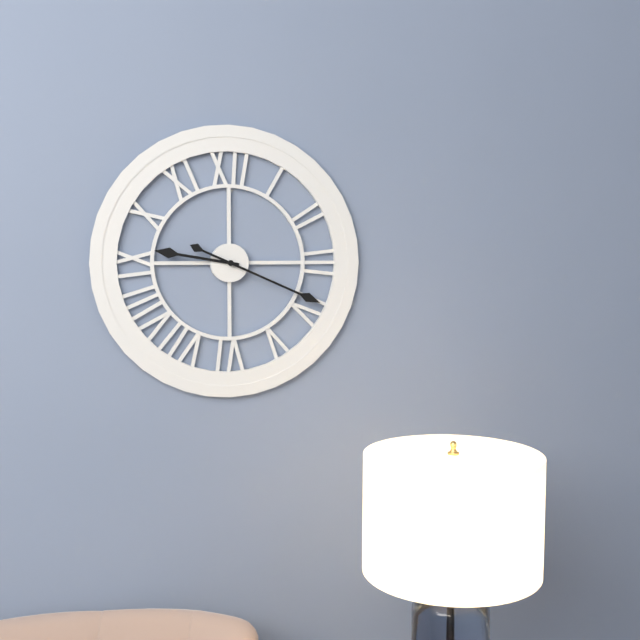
9:19
